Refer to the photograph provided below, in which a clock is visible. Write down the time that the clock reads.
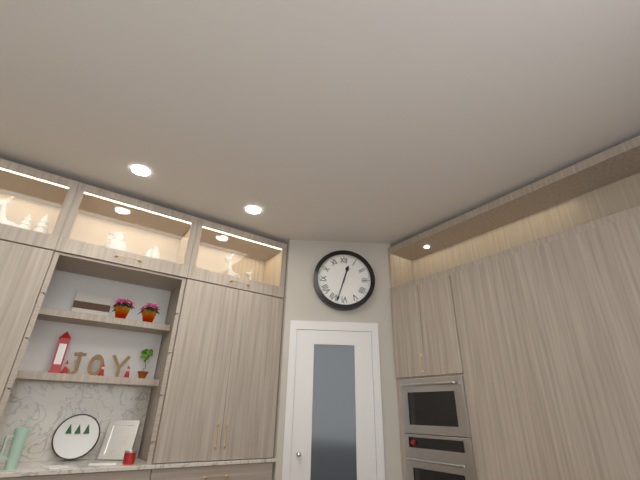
12:33
